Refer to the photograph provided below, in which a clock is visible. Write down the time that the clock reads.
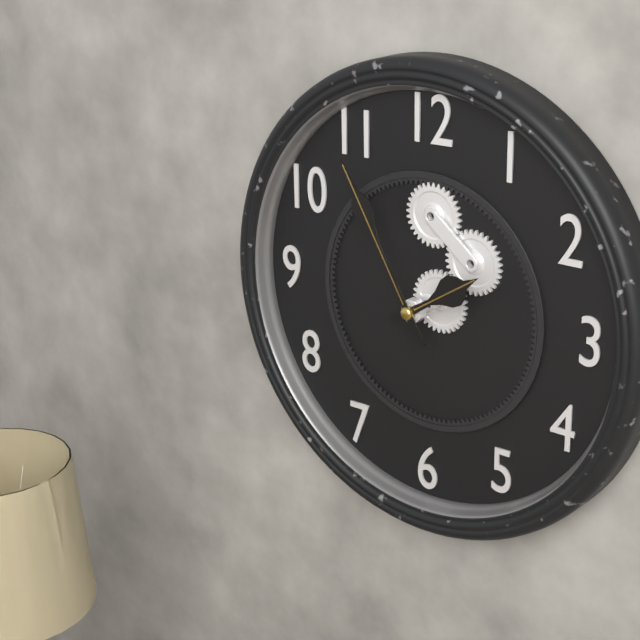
1:55
